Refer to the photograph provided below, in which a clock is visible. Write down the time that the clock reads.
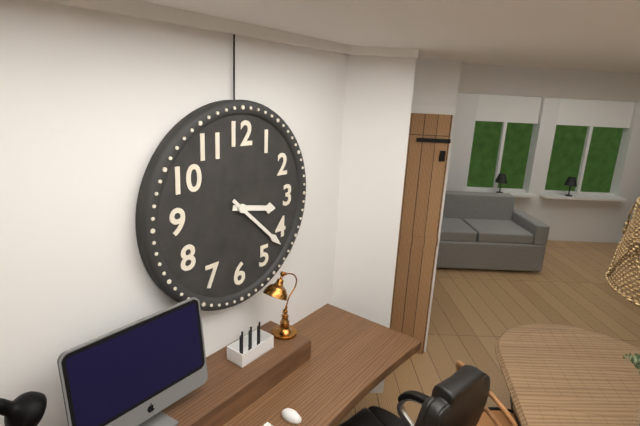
3:22
